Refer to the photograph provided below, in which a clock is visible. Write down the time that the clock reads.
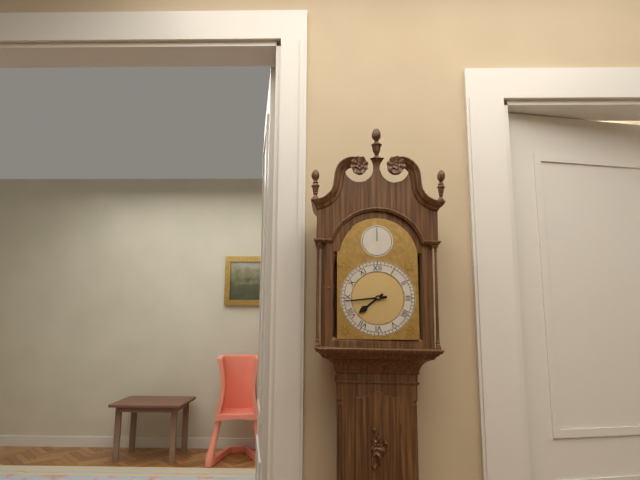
7:44
